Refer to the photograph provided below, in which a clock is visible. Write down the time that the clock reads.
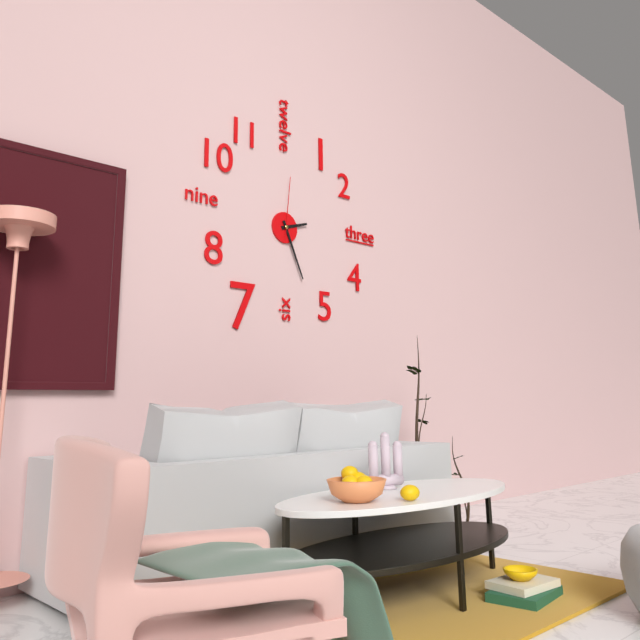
2:26:01
